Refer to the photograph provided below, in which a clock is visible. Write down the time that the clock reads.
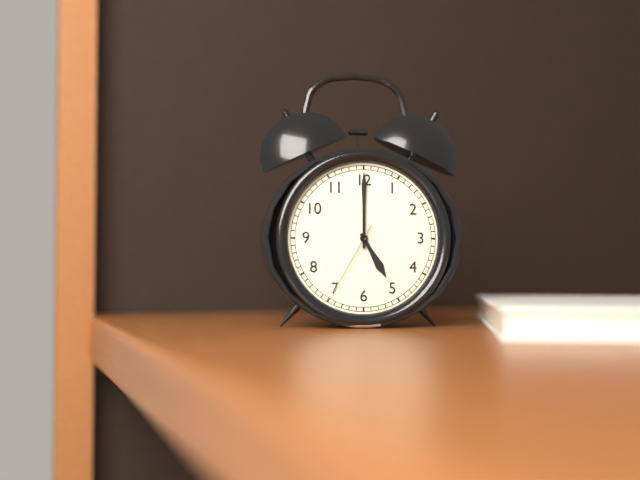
5:00:35
